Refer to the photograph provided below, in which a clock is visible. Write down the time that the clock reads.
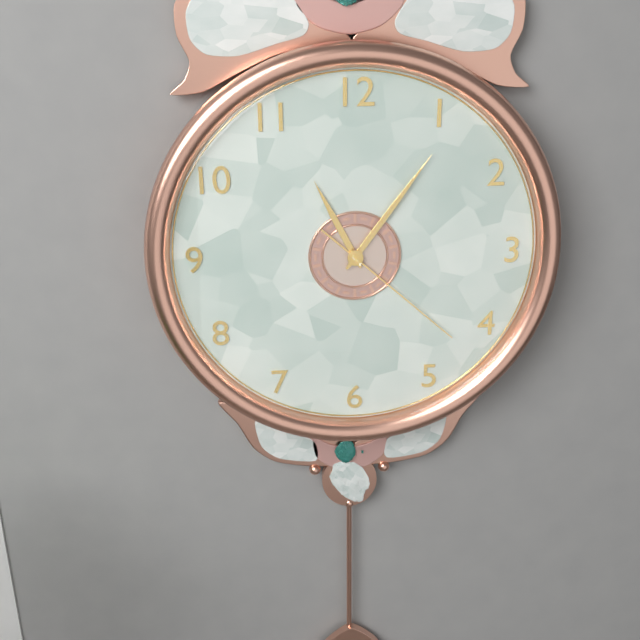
11:06:22
